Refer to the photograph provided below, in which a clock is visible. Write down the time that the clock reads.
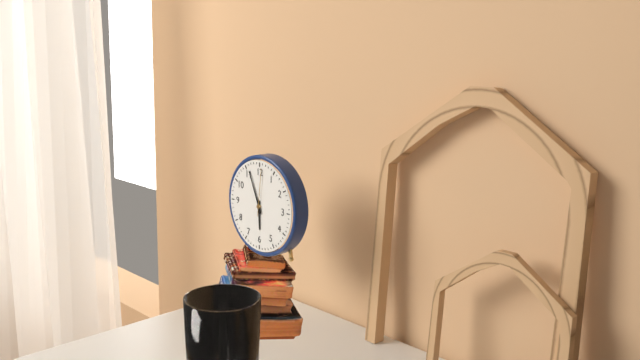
5:56
